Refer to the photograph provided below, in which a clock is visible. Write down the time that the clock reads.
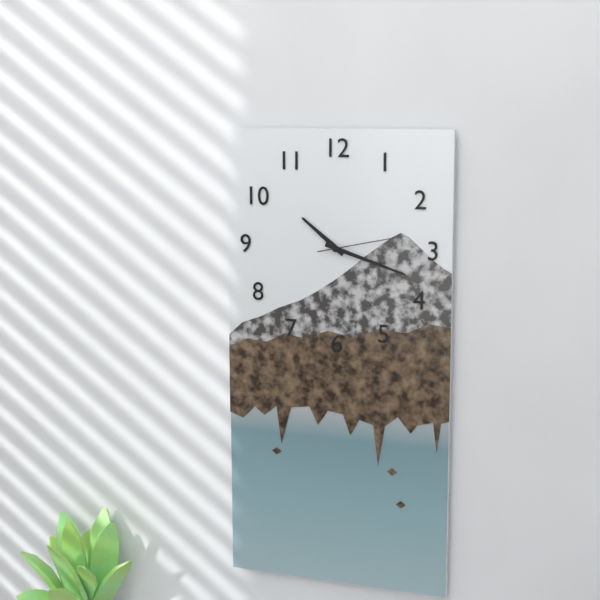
10:18:13
